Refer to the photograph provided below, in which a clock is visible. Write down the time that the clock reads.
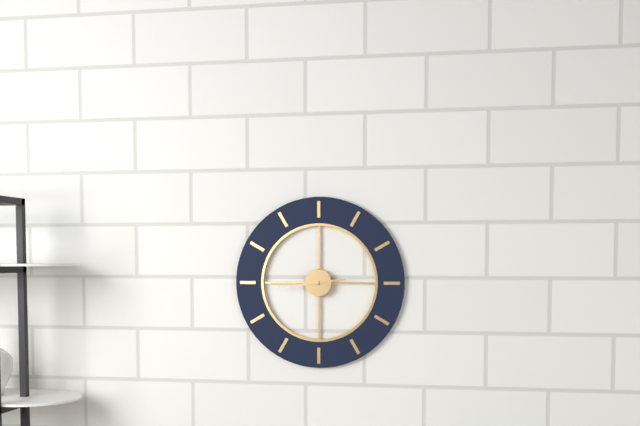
2:44
